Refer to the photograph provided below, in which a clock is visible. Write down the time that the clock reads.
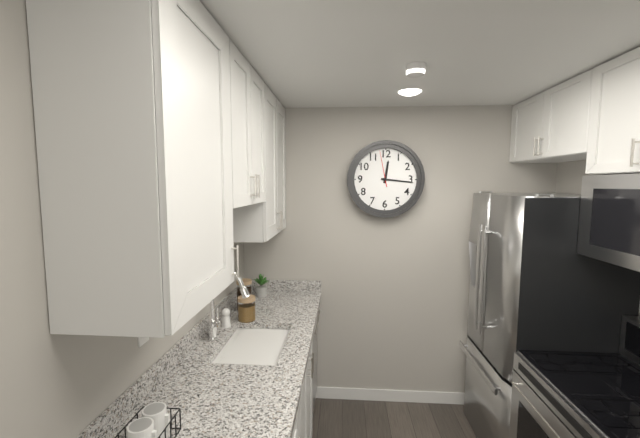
12:16
